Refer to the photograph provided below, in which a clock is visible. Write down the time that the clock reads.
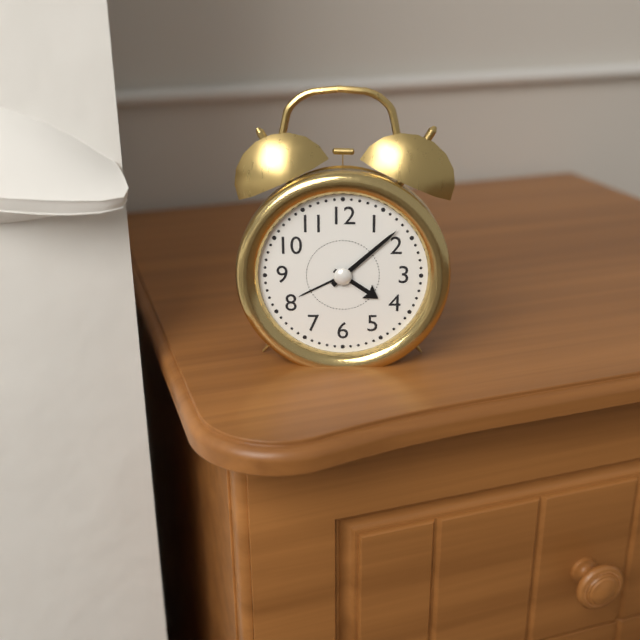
4:08
